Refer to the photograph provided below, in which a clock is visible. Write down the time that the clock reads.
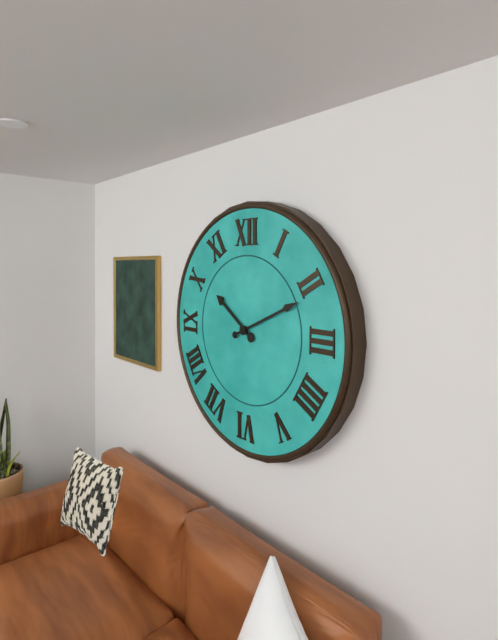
10:11
